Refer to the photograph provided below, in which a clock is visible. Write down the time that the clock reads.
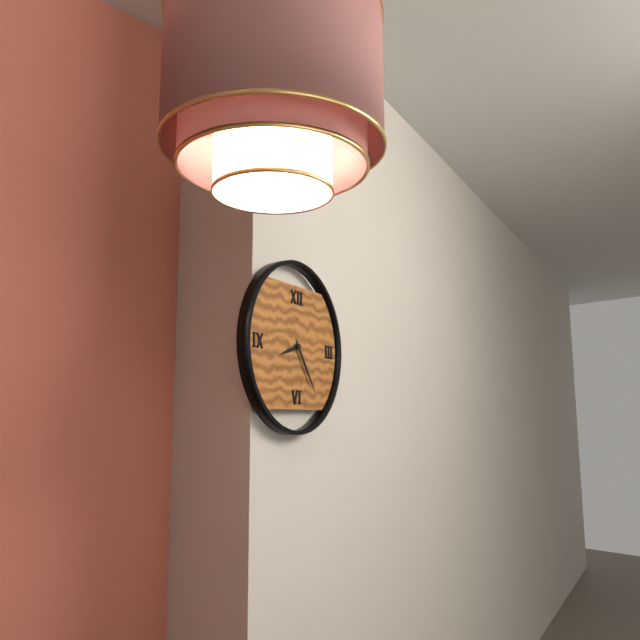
8:24
